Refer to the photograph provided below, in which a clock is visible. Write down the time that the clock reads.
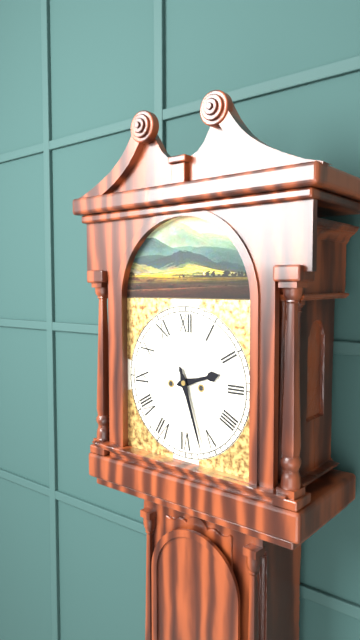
2:27
